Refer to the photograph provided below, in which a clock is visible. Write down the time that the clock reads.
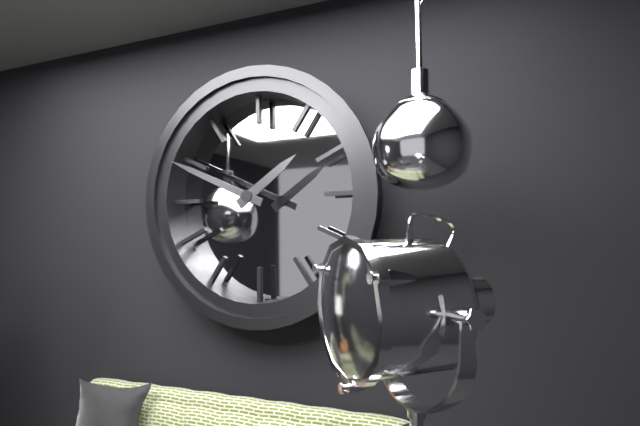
1:49
